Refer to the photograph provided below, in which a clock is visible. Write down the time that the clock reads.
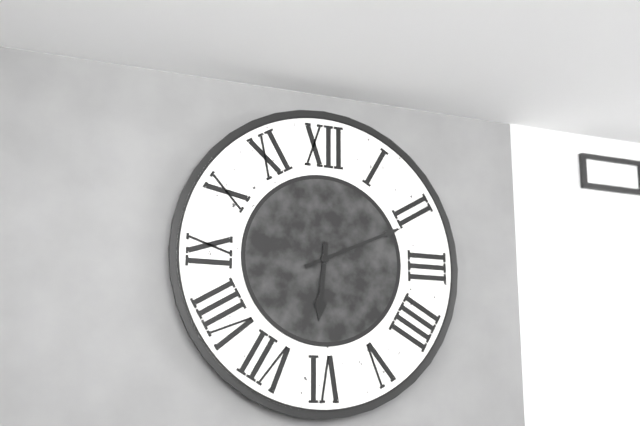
6:11
